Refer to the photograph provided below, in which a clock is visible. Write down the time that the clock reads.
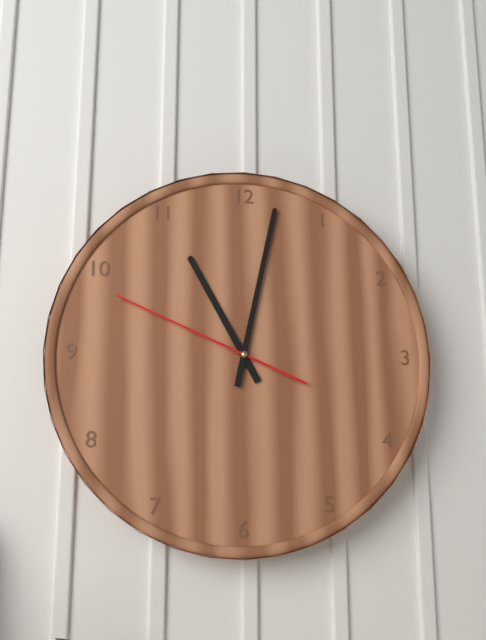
11:02:49
